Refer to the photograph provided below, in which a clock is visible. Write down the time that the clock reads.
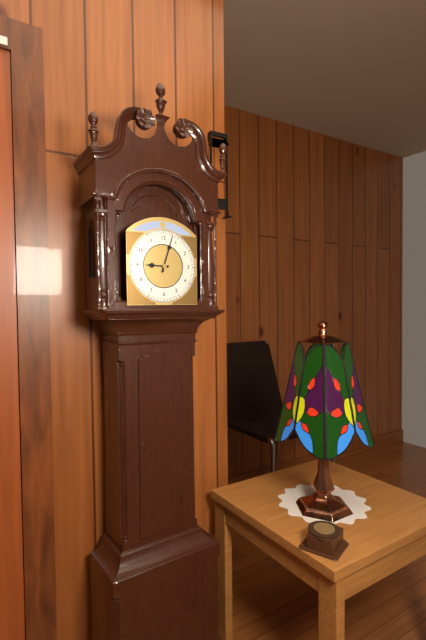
9:03
